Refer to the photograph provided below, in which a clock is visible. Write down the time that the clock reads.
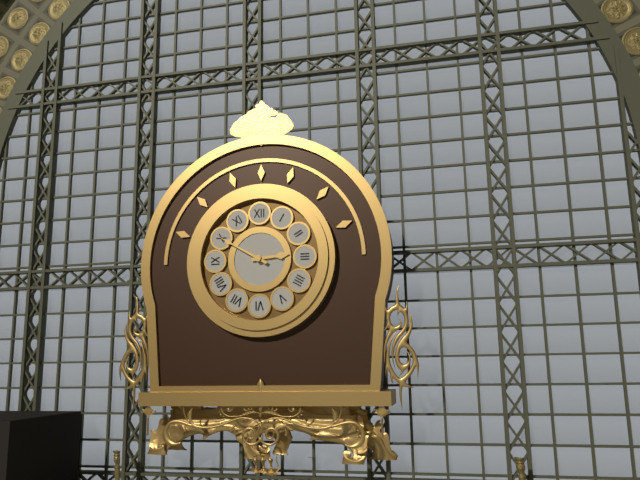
2:50
